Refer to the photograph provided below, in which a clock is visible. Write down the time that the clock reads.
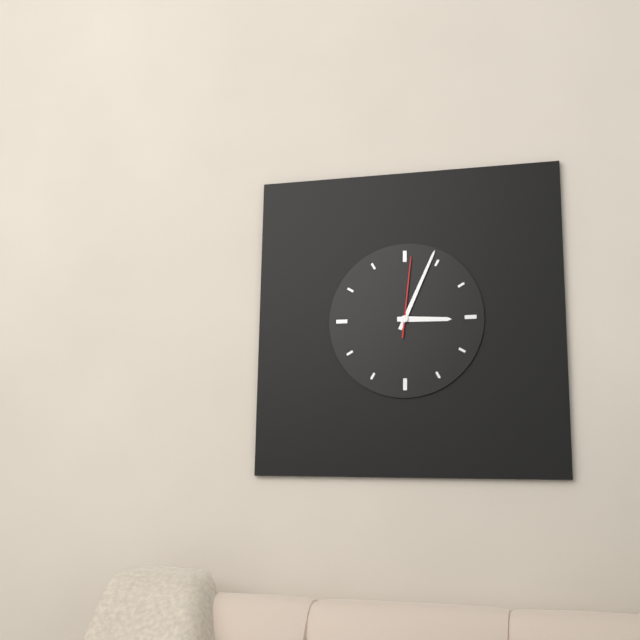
3:04:01
